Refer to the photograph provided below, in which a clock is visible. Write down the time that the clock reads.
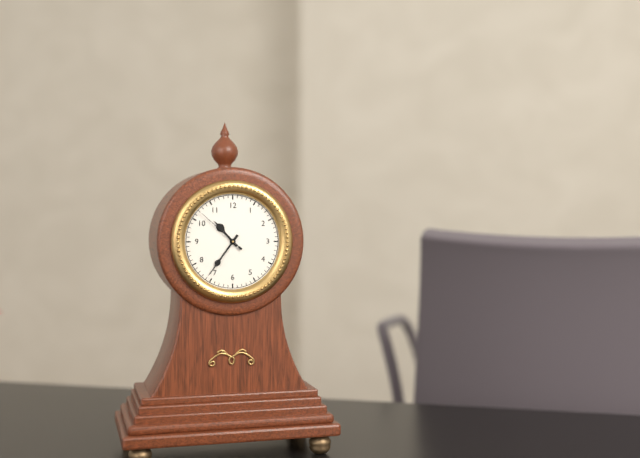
10:36:52
